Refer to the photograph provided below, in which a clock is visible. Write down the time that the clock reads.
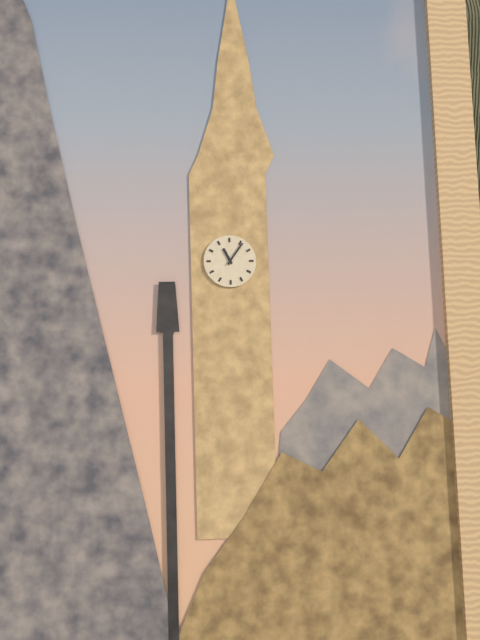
11:06
